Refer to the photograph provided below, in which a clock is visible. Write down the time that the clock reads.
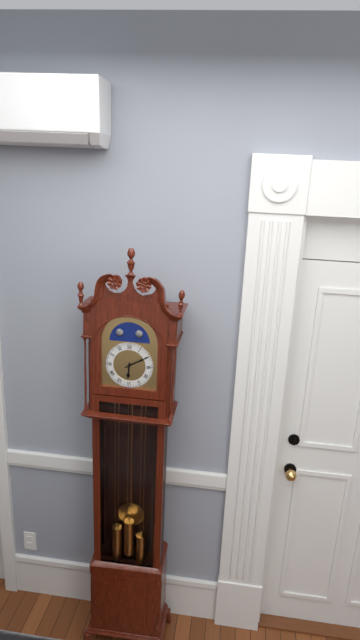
6:10
